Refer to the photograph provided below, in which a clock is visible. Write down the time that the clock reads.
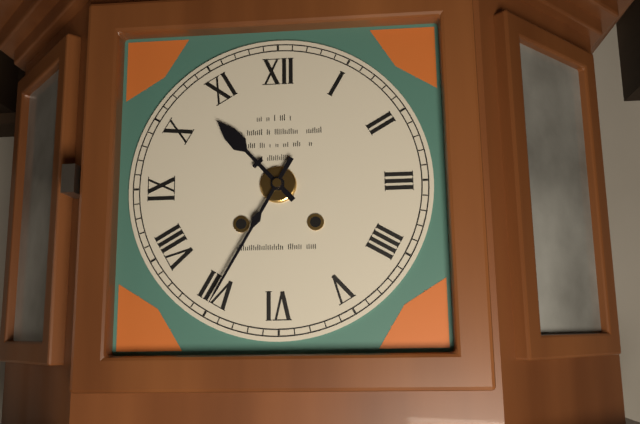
10:35
